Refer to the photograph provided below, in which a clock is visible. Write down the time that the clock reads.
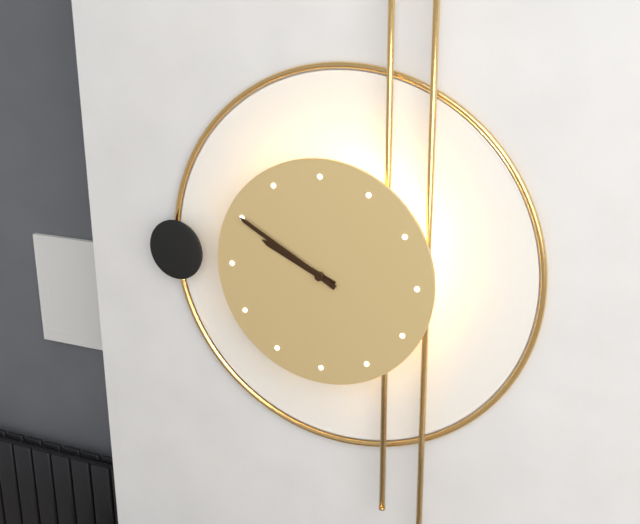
9:50
